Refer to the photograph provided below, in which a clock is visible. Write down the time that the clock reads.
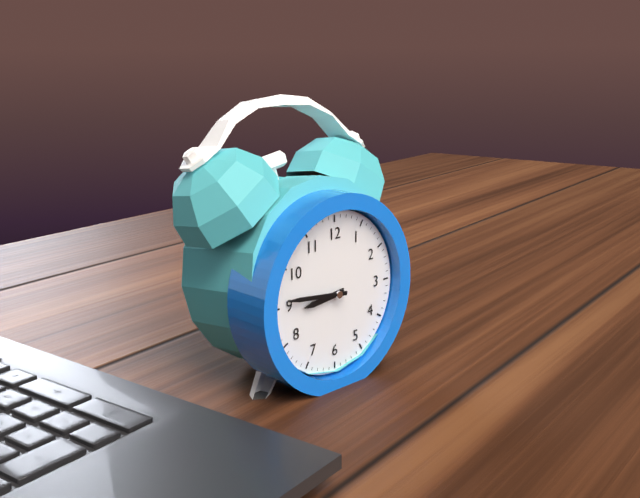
8:46
